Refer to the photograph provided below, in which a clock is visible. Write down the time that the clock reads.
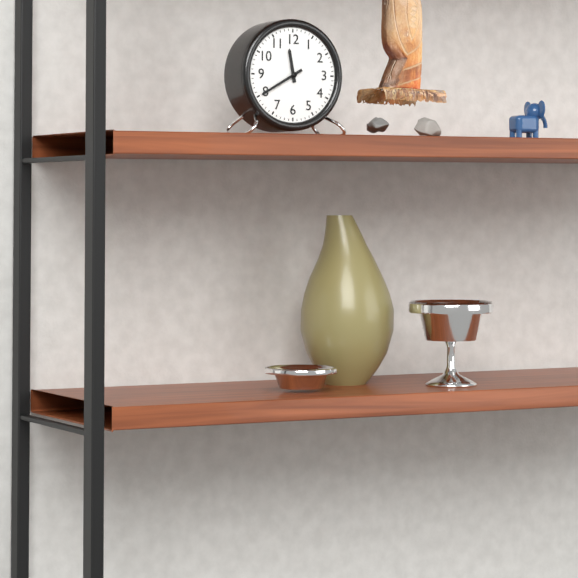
11:40
